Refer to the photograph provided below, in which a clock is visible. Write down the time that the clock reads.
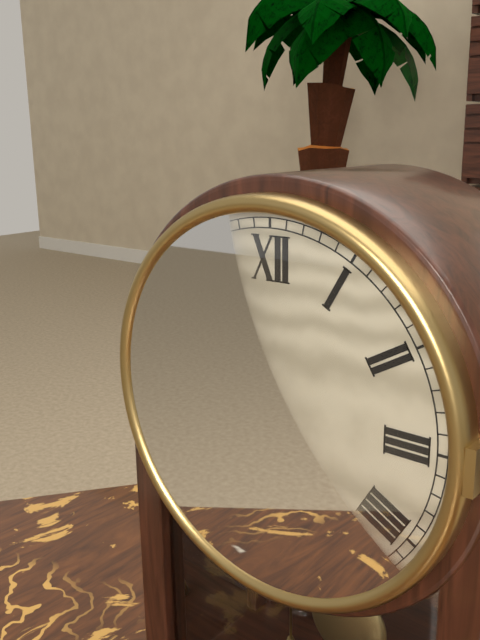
10:53
